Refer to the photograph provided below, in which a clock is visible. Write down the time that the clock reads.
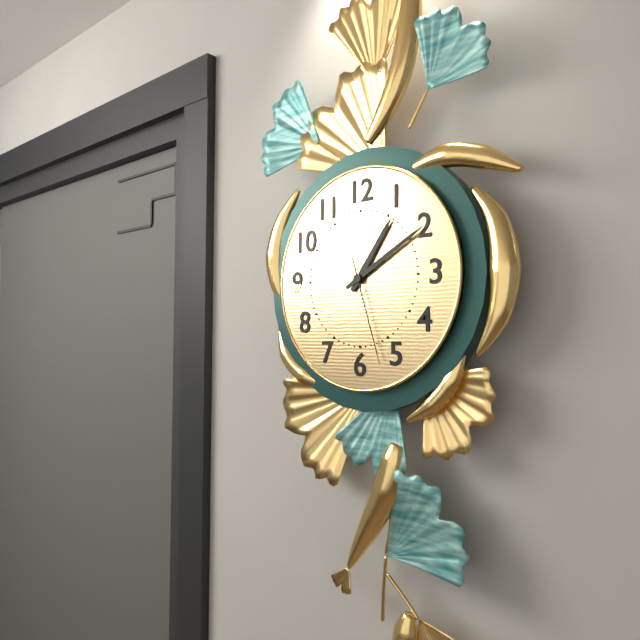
1:10:27
